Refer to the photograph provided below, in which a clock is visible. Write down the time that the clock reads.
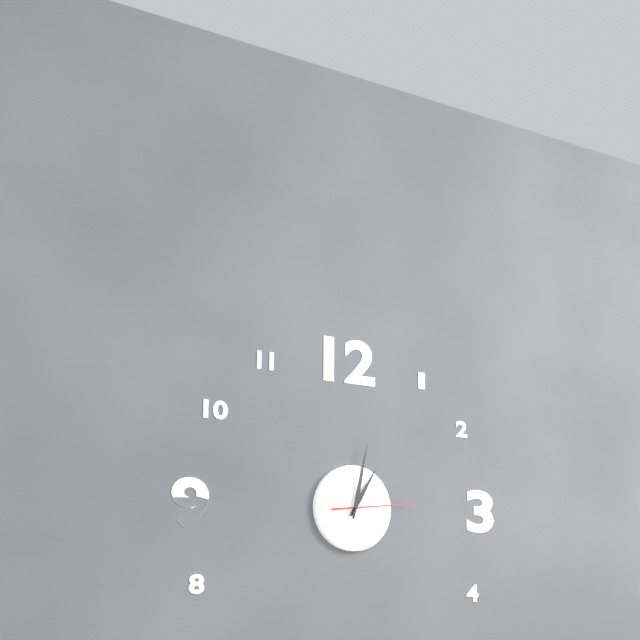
1:02:14
